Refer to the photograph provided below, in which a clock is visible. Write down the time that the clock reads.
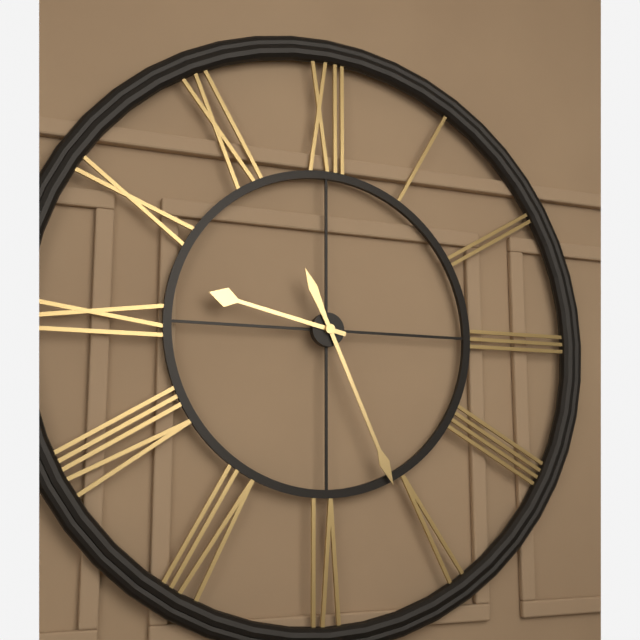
9:26
